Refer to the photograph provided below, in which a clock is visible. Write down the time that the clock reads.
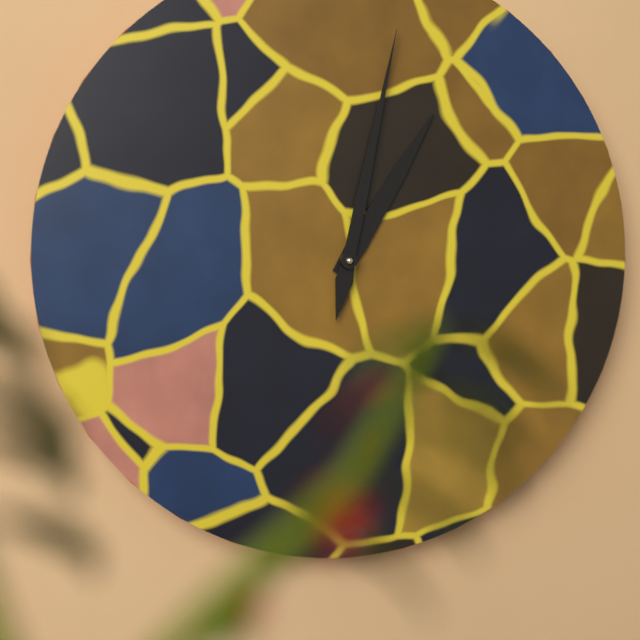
1:02
